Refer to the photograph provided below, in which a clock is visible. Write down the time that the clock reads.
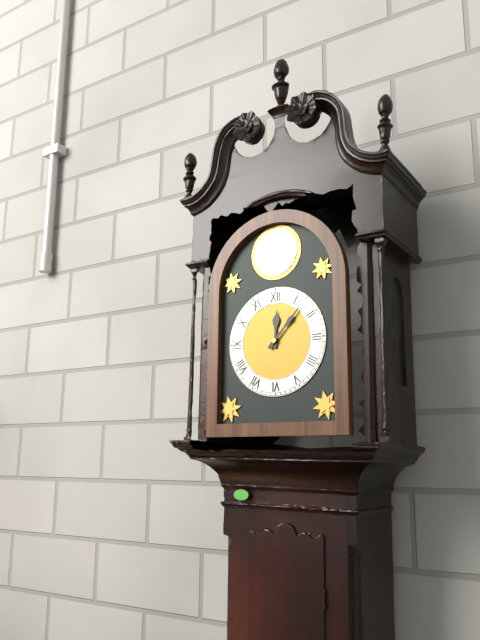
12:07
